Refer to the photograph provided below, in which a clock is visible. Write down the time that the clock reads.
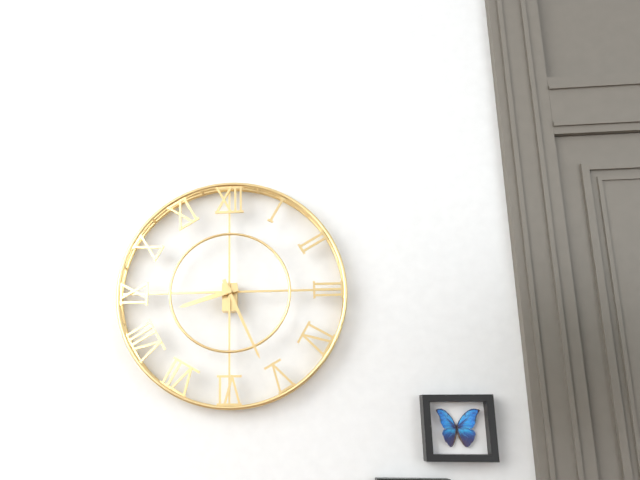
8:26
